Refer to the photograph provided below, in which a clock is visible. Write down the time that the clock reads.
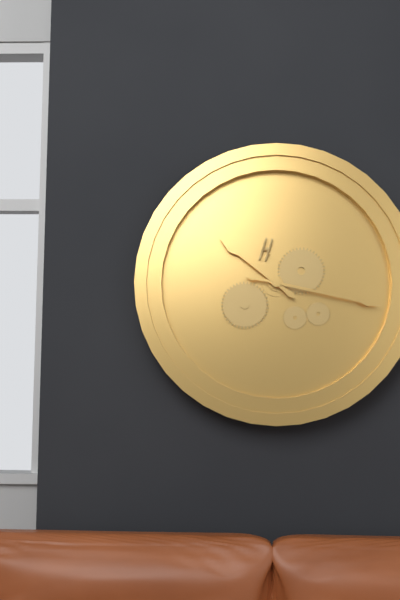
10:17
